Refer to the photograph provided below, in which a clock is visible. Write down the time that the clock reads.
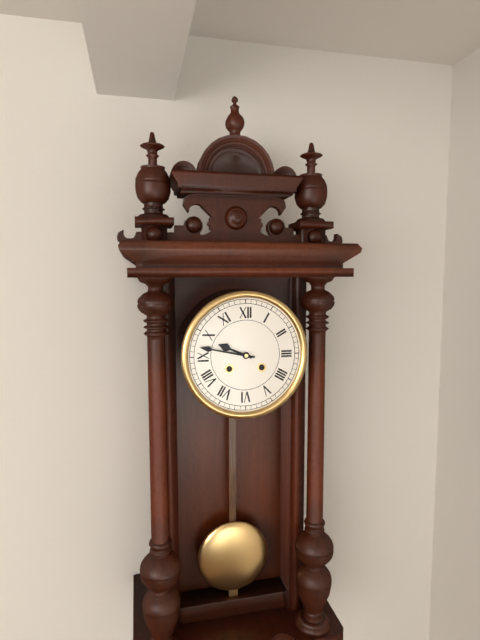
9:47
